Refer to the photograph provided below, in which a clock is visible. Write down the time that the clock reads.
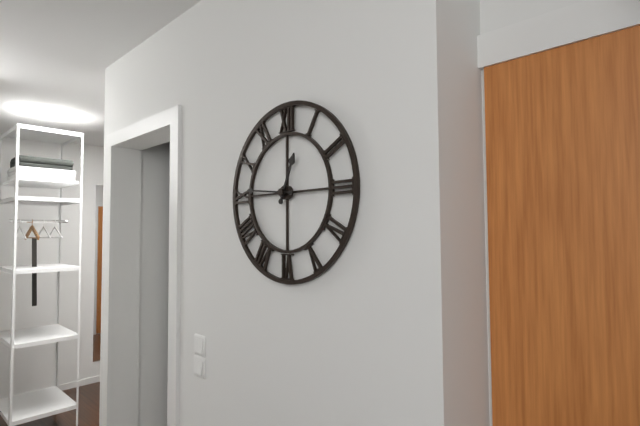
12:46
